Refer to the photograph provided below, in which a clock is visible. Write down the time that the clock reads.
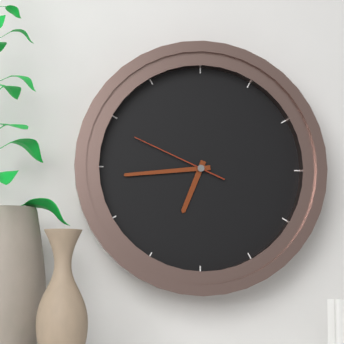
6:44:49
